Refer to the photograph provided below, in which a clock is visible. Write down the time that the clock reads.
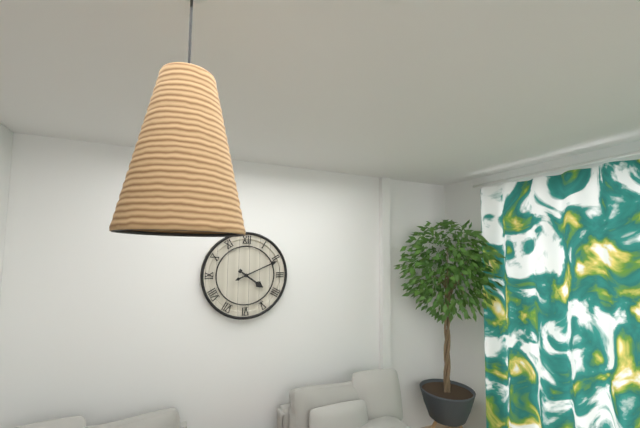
4:11
